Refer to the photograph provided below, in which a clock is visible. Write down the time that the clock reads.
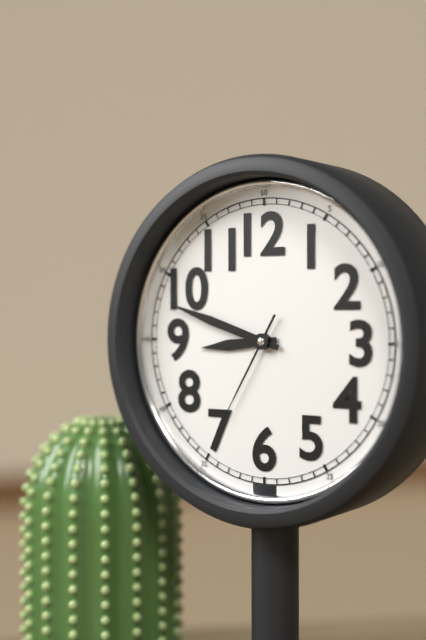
8:48:35
